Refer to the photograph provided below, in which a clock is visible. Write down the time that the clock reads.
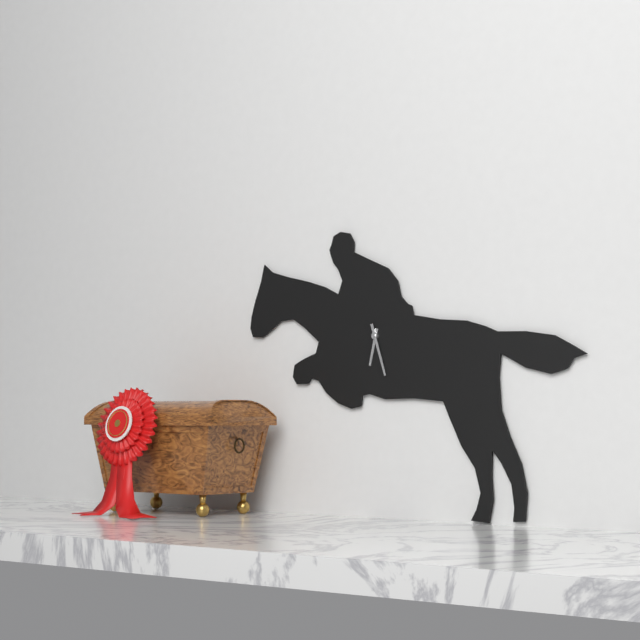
6:27
